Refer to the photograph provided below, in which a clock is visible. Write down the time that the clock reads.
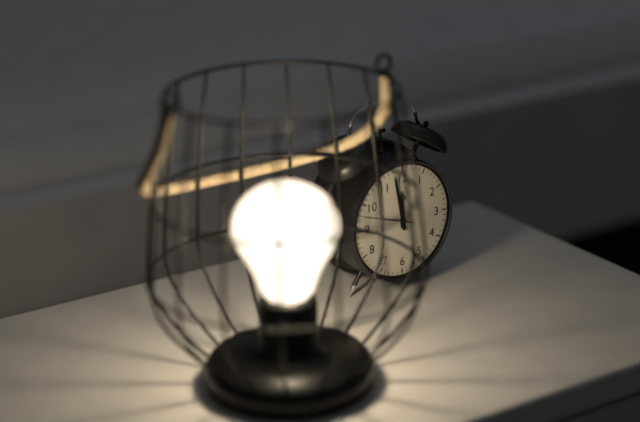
11:58
